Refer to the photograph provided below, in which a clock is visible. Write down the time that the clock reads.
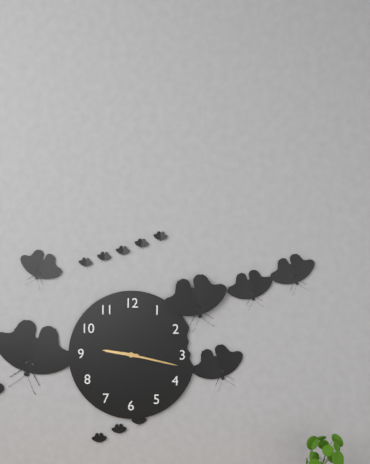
9:17
